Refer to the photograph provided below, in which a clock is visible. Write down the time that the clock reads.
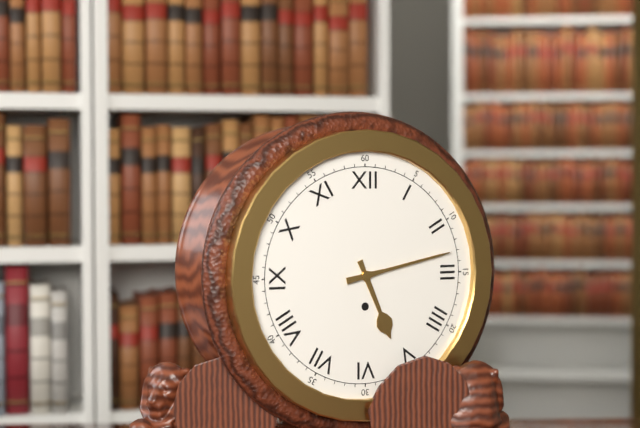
5:13
